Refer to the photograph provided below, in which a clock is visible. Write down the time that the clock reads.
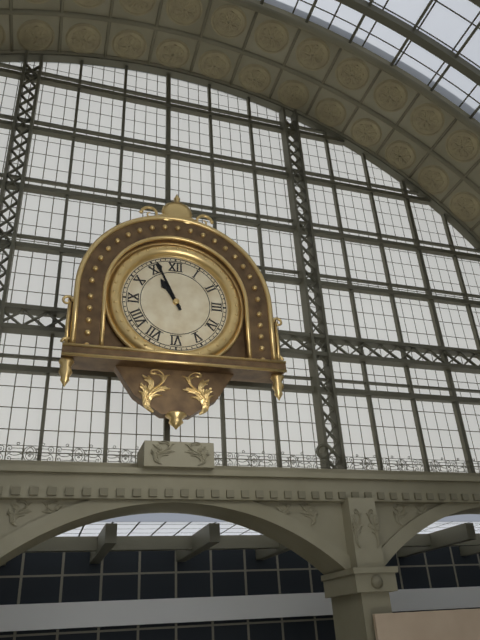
10:56
